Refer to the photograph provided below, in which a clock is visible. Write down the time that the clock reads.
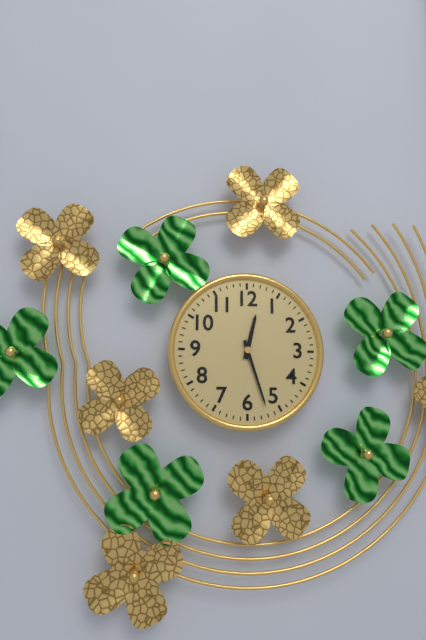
12:27
